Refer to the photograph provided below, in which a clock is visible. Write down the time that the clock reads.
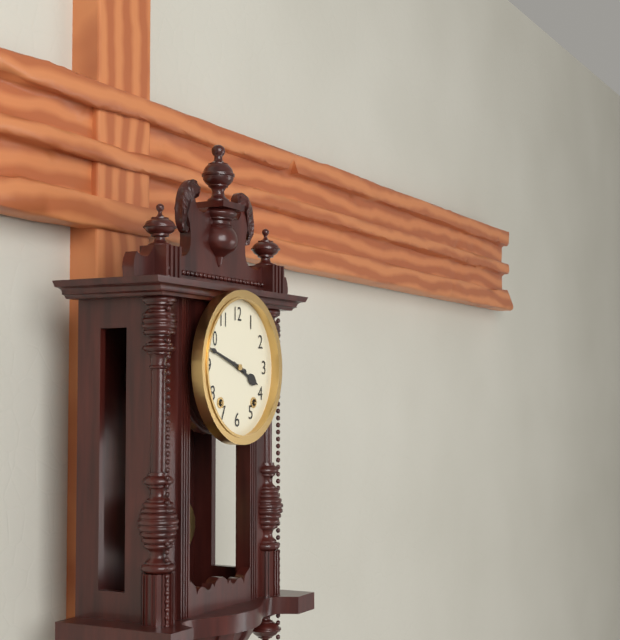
3:48
